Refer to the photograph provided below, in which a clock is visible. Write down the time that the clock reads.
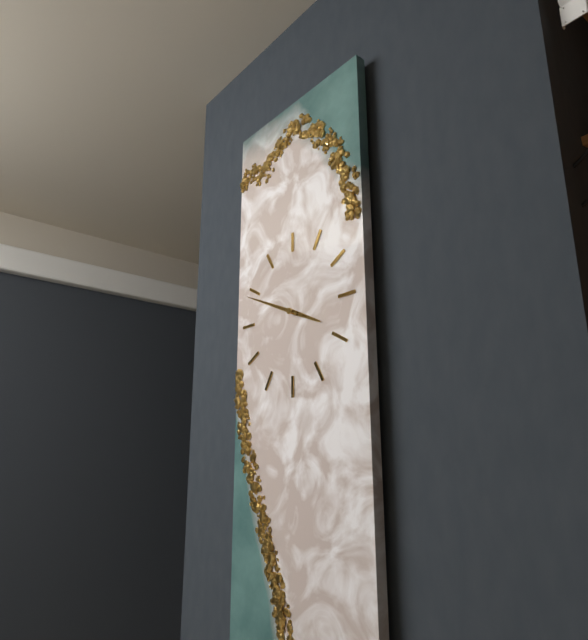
3:49:49
